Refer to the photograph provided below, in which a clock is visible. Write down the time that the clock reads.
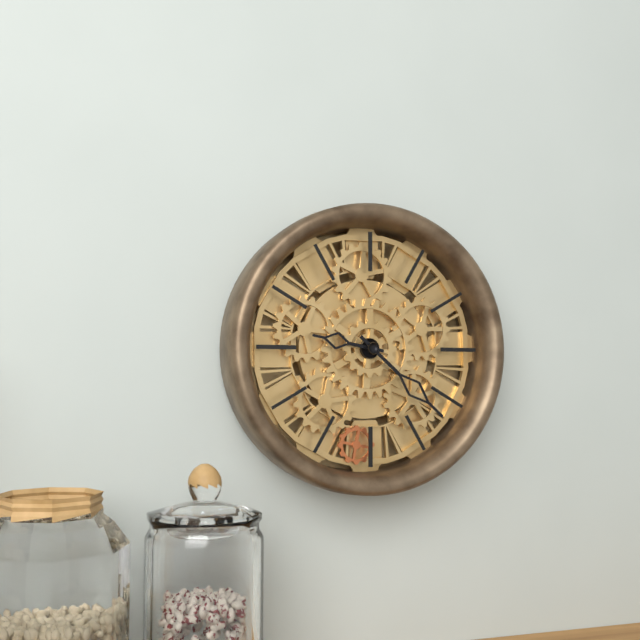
9:22
